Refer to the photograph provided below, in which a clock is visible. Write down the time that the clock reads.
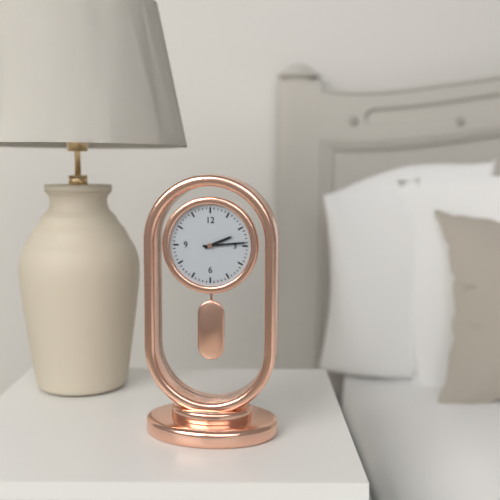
2:14
